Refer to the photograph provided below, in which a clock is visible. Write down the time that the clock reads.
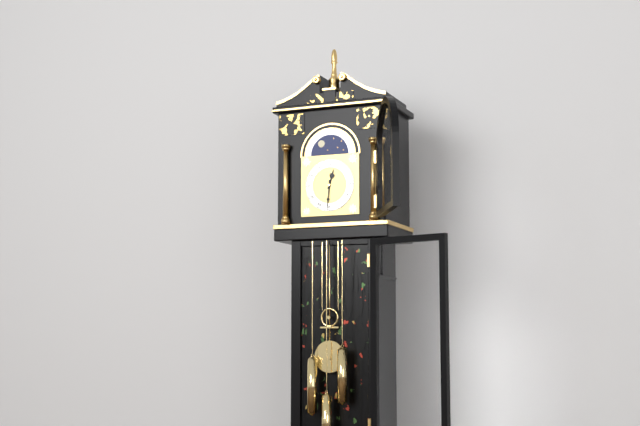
12:31
